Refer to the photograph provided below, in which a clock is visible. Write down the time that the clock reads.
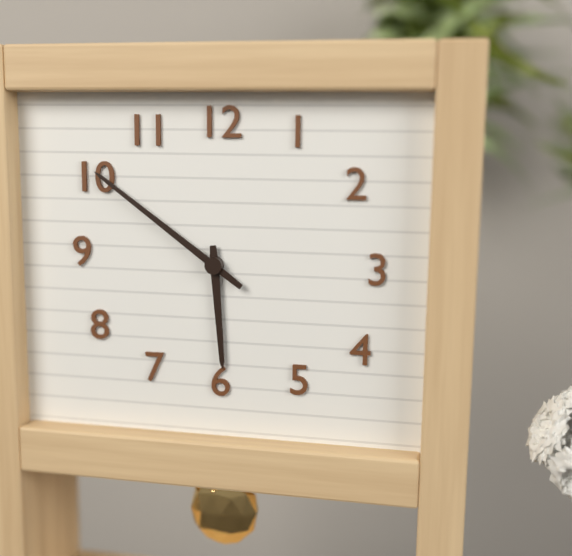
5:51
